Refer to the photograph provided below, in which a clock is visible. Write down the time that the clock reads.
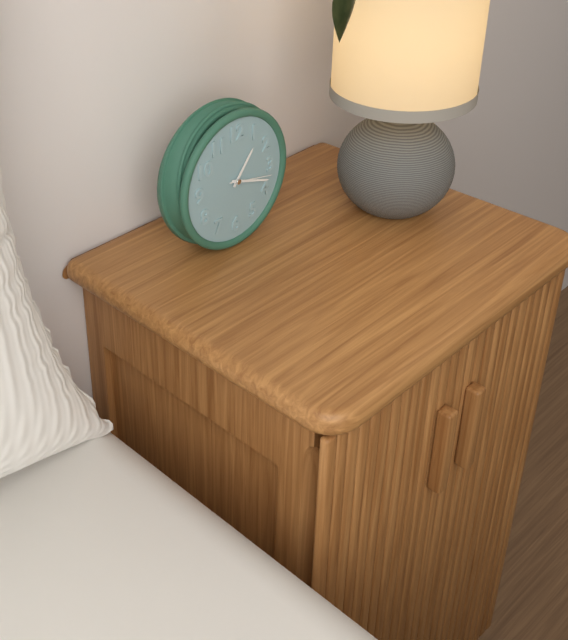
1:18
